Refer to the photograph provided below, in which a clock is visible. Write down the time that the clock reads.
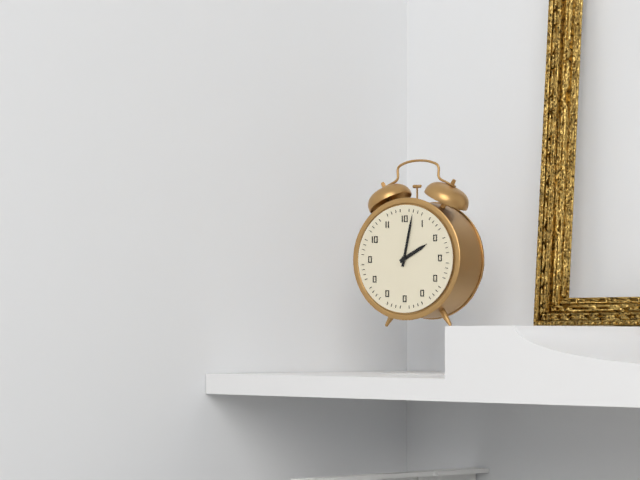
2:02
